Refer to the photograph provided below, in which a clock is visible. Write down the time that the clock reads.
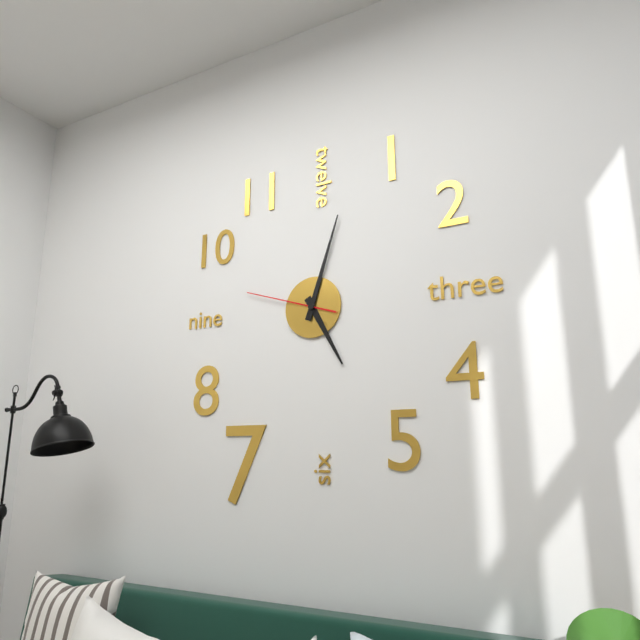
5:03:48
